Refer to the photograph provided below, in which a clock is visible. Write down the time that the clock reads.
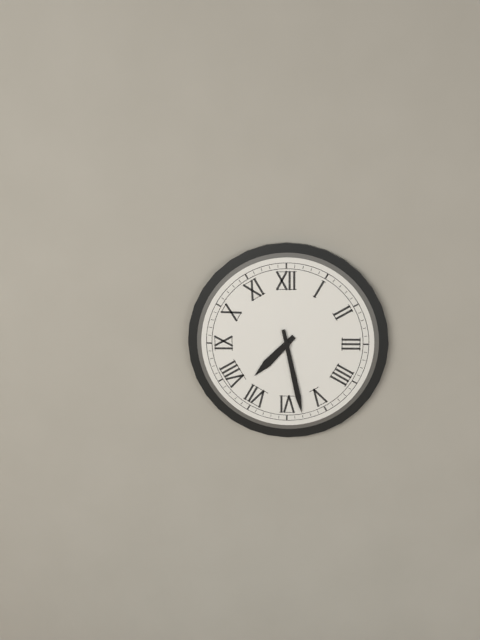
7:28
